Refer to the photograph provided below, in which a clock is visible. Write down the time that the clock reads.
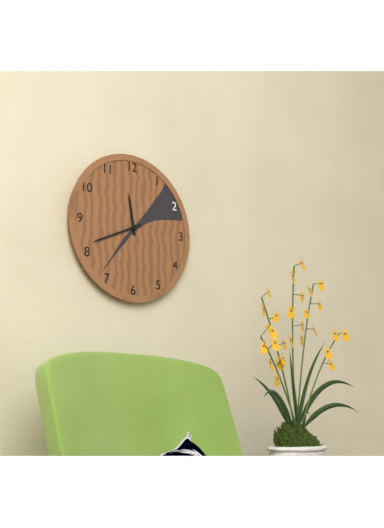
11:41
